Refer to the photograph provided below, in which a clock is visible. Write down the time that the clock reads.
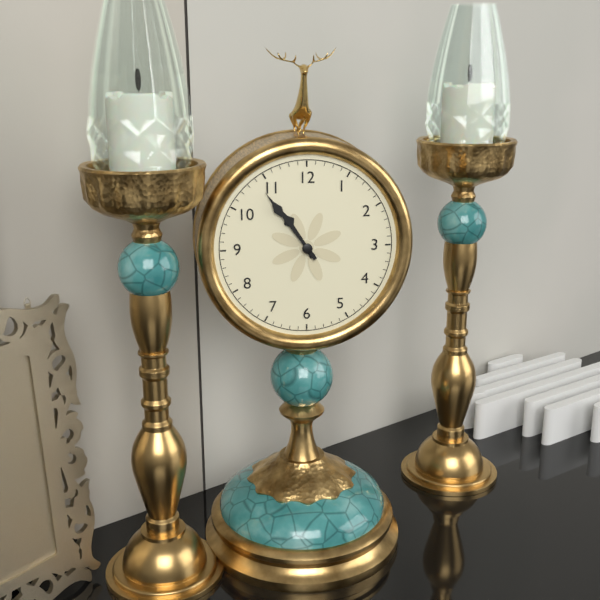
10:54
